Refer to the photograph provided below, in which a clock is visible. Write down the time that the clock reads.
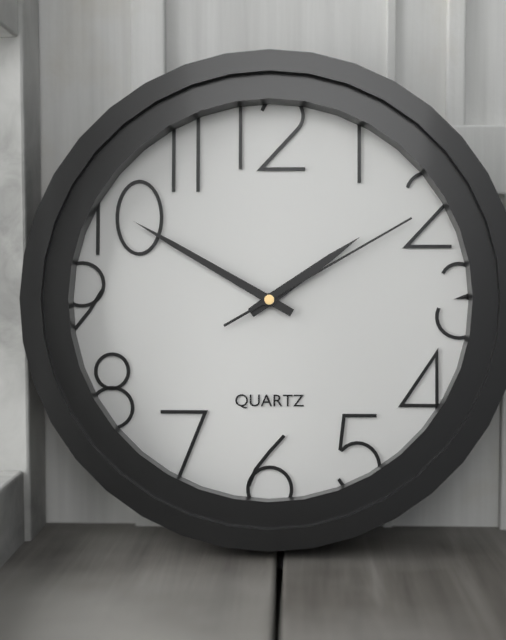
1:50:10
